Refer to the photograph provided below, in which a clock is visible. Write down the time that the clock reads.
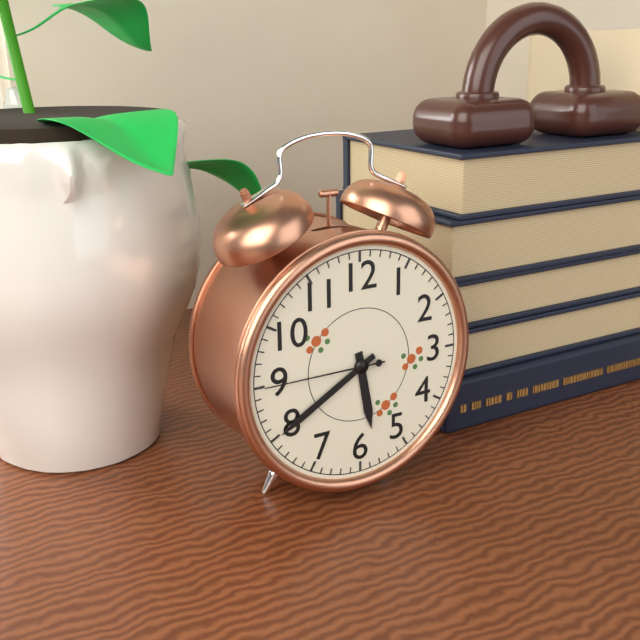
5:40:45
